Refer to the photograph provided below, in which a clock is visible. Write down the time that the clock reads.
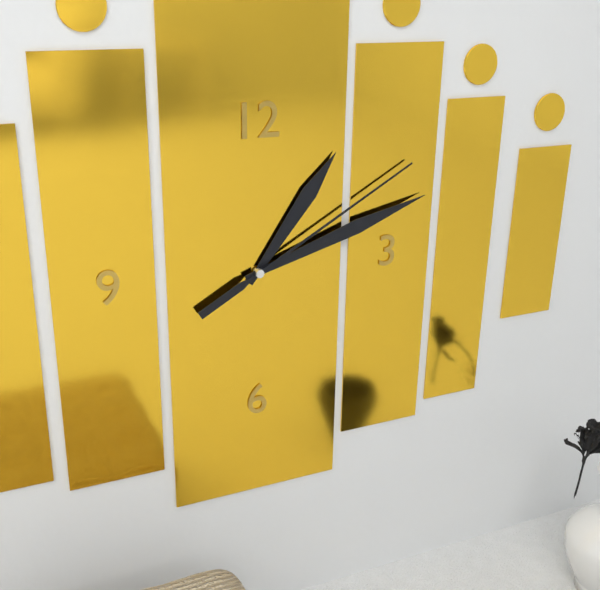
1:12:10
